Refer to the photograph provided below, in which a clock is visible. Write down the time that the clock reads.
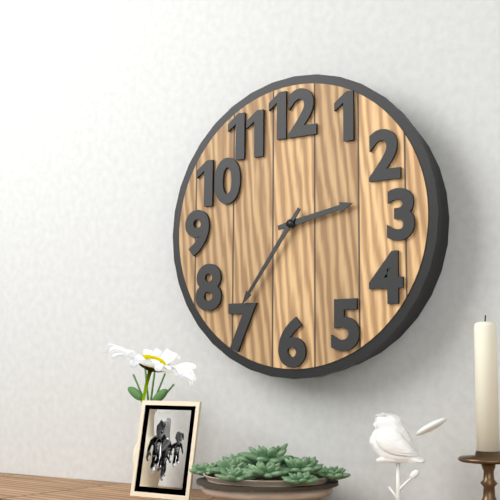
2:36
